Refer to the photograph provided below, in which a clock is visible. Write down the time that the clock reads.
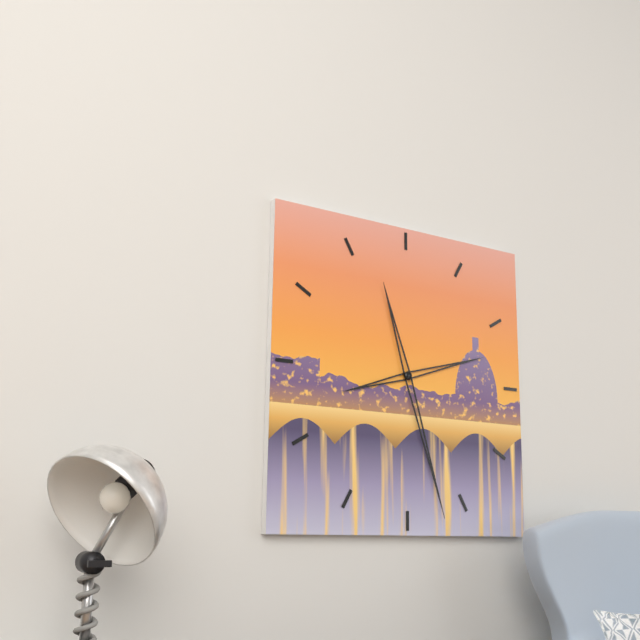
2:27
